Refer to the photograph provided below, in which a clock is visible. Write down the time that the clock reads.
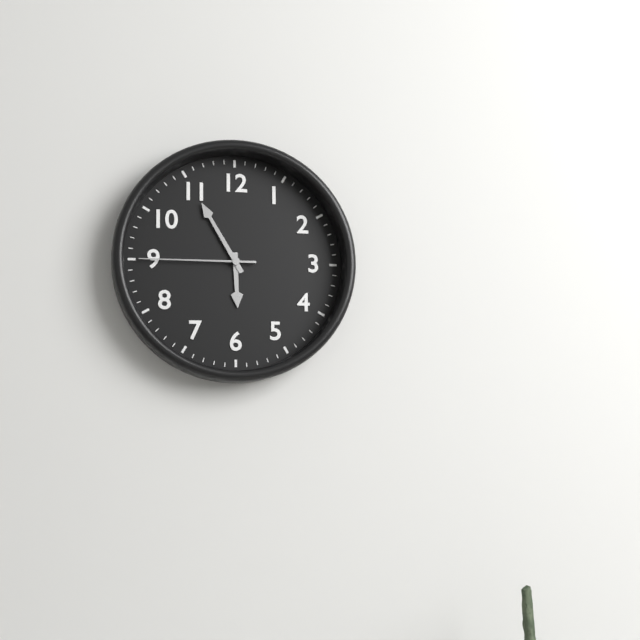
5:55:45
